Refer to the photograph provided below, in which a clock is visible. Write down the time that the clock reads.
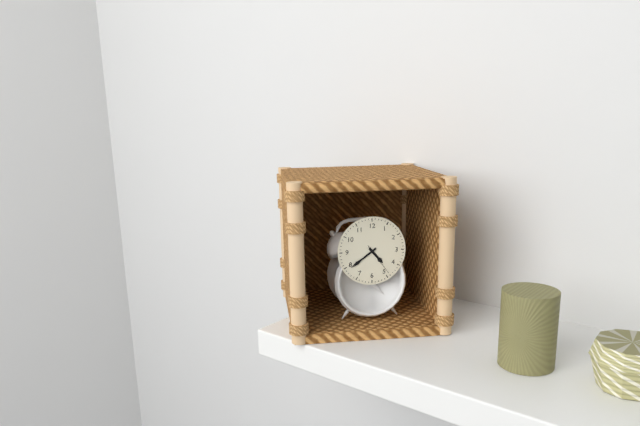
4:39
